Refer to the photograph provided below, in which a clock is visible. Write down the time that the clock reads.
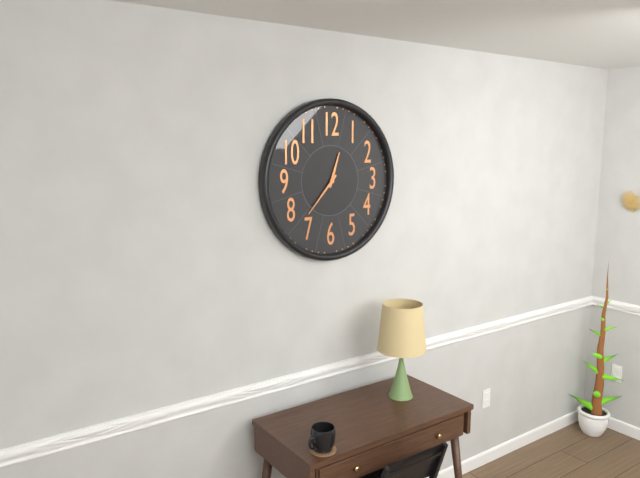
12:37
